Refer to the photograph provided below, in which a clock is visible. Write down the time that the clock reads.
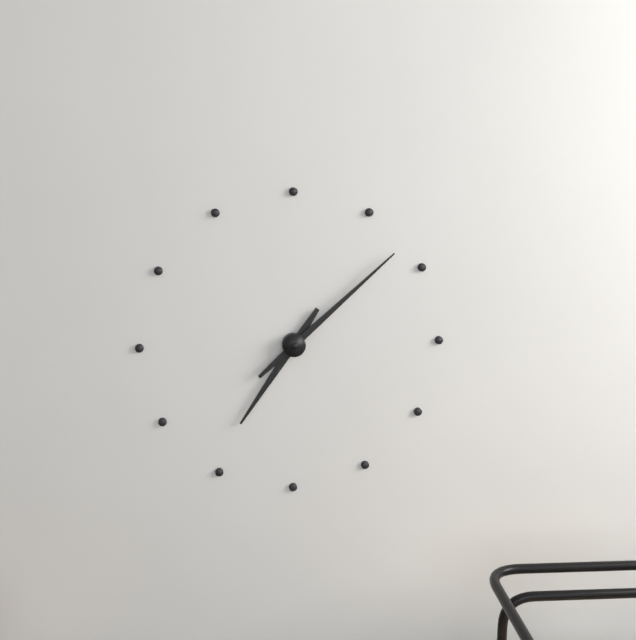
7:08
